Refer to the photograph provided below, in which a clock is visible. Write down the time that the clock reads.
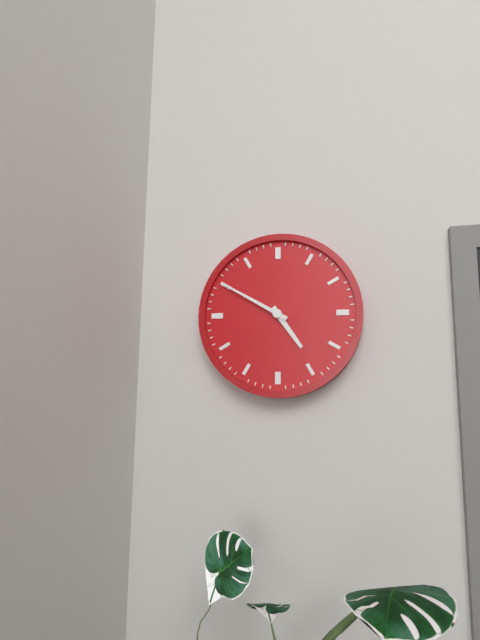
4:50
